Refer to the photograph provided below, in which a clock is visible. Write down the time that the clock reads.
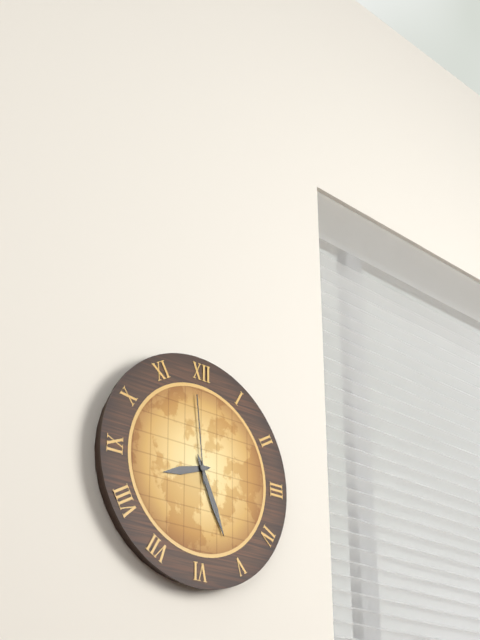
8:26:59
